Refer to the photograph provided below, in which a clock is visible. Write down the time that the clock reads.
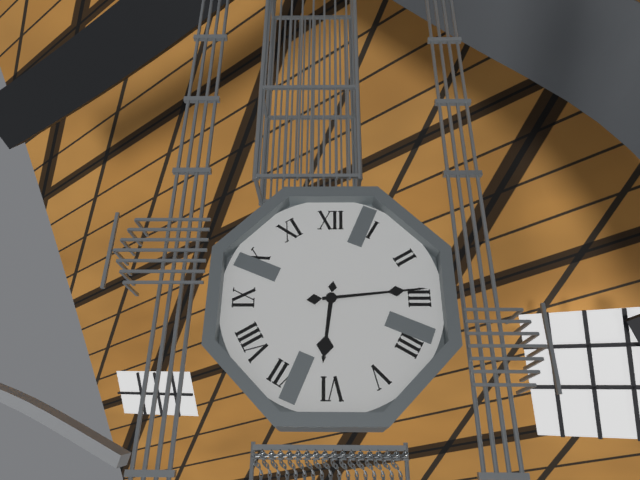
6:14
